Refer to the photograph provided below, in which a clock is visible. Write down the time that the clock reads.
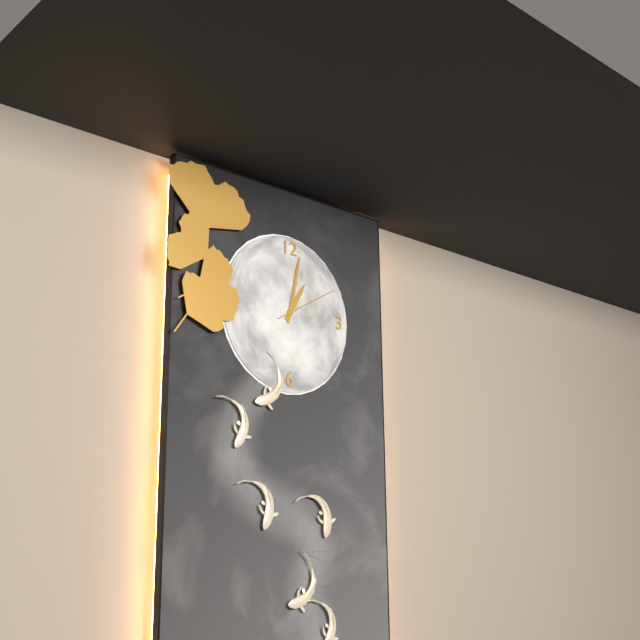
1:02:10
